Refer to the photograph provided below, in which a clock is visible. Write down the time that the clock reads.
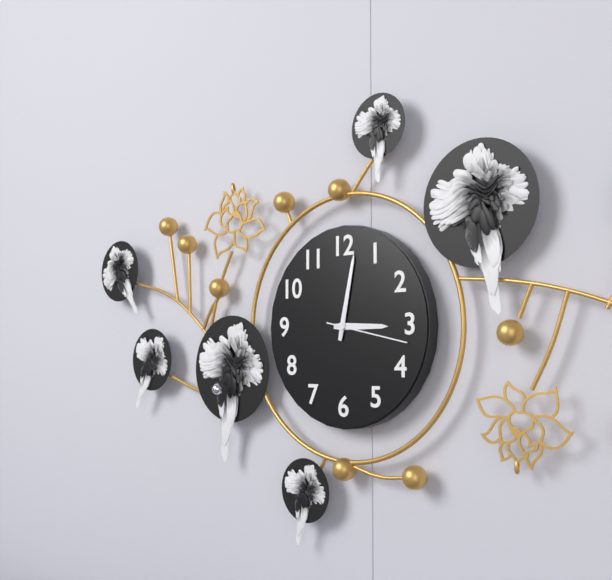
3:02:17
